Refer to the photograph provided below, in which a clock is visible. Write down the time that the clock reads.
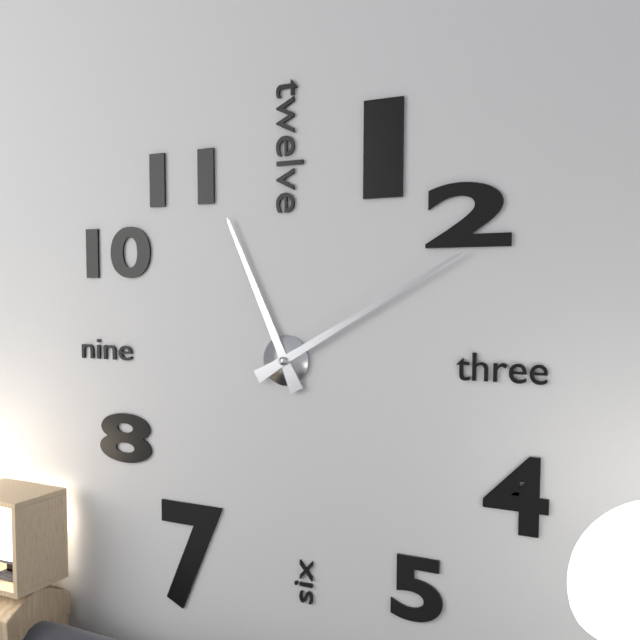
11:10
